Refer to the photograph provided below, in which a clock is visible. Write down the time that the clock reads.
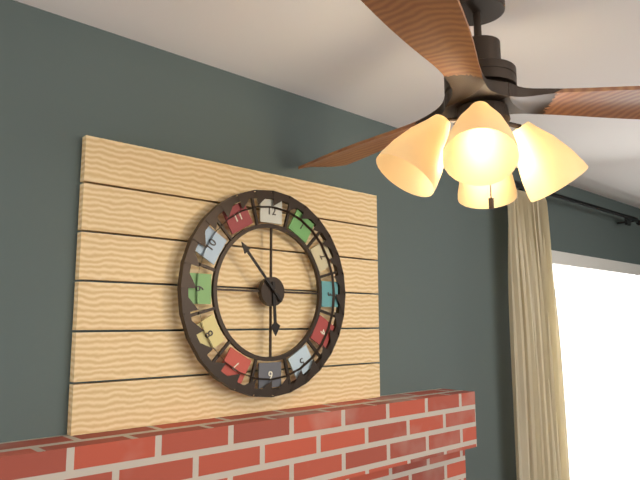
5:53
